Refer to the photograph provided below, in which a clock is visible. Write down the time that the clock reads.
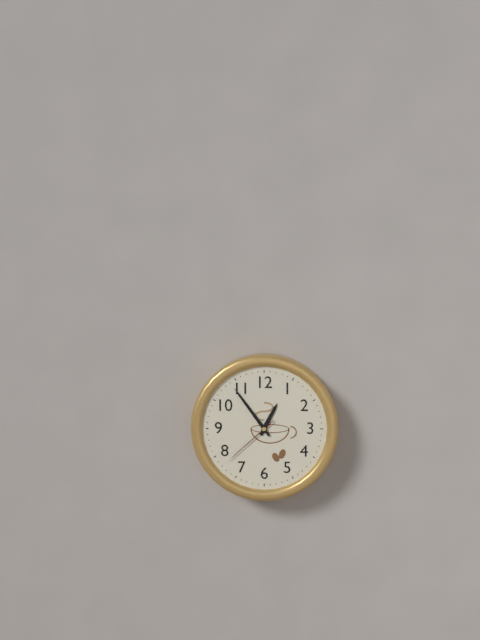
12:54:38
